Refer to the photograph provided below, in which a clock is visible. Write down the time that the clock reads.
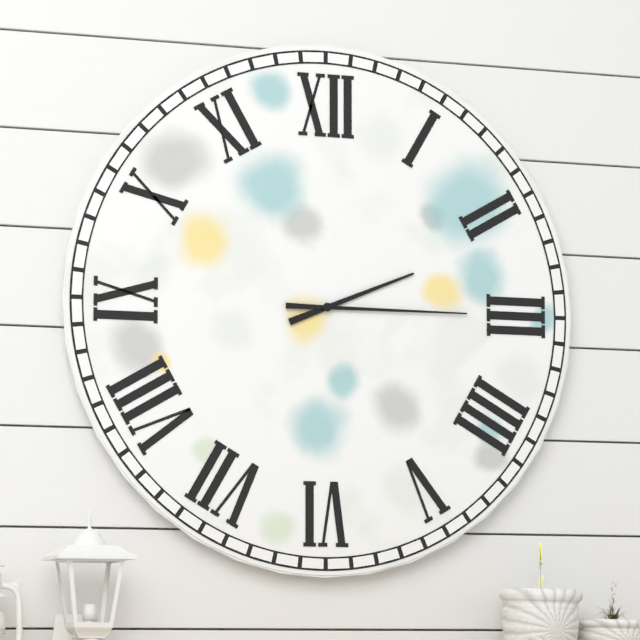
2:15
